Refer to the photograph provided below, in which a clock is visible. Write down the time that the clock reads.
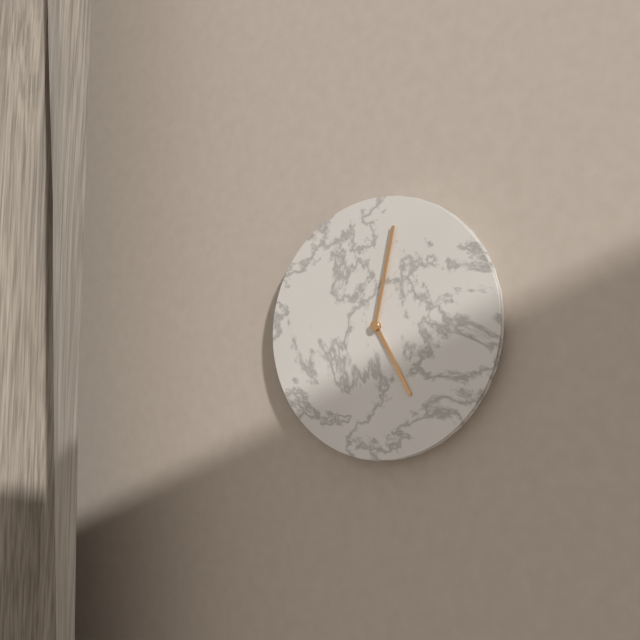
5:02
